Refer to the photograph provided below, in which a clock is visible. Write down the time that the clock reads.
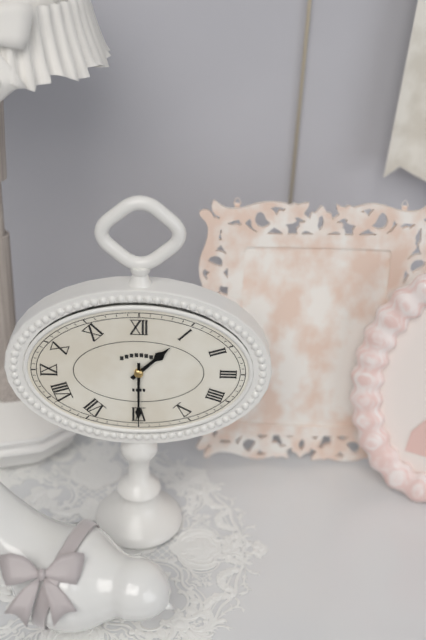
1:30
